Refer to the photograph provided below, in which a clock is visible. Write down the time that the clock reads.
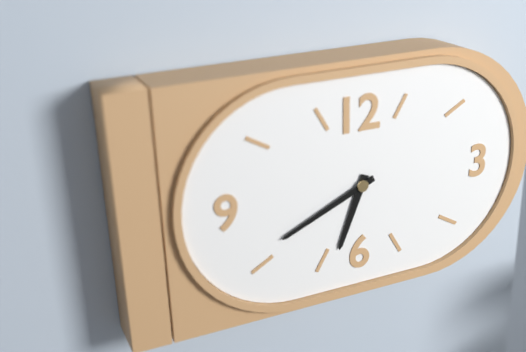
6:41
